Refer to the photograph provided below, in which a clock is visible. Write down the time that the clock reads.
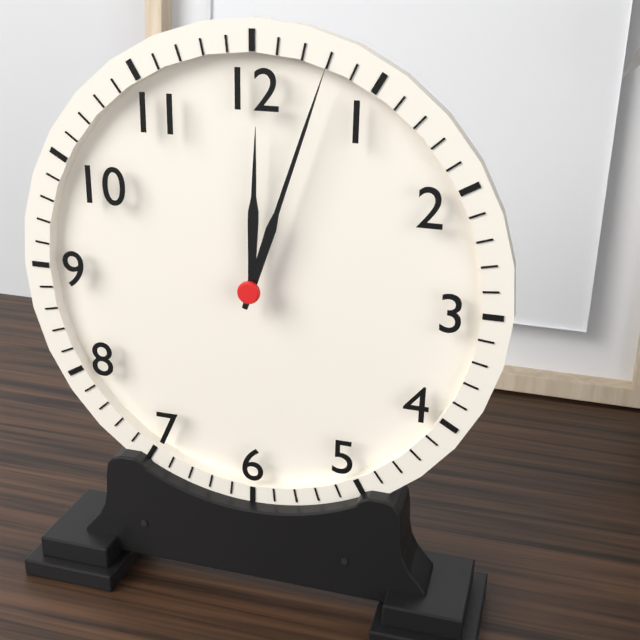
12:03
